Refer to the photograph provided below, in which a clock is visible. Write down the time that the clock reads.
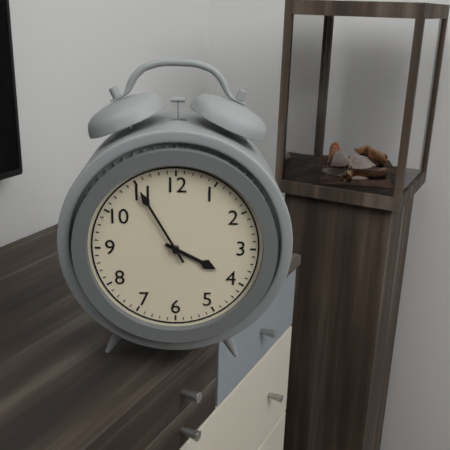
3:55
